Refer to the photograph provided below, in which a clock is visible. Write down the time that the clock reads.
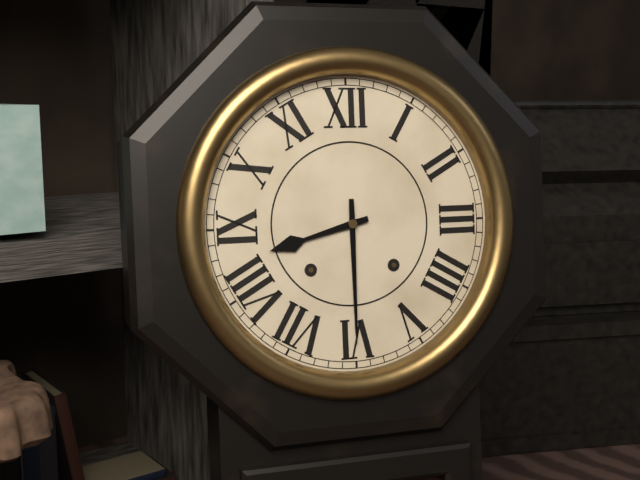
8:30
